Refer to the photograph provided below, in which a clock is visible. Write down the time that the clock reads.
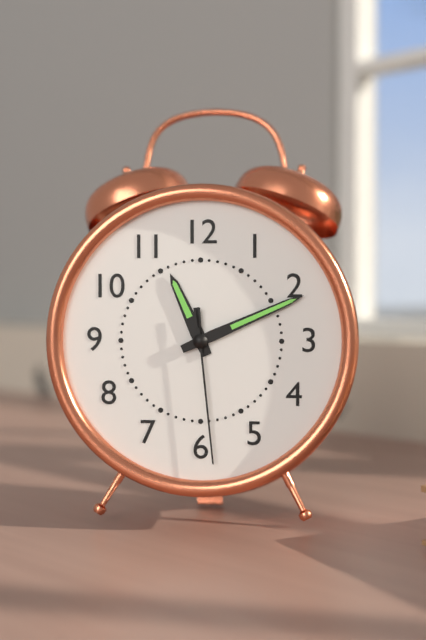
11:11:29
